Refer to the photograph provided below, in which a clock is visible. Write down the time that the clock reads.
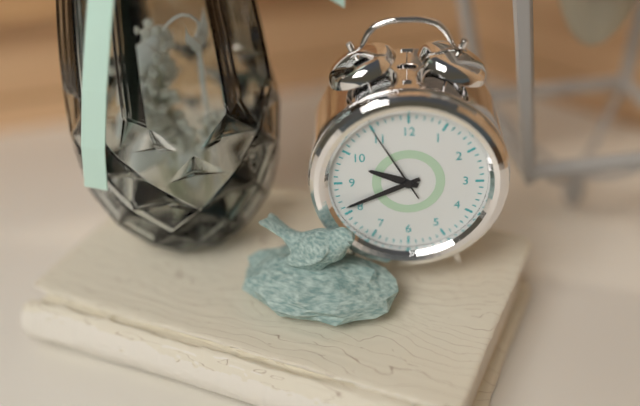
9:41:55
